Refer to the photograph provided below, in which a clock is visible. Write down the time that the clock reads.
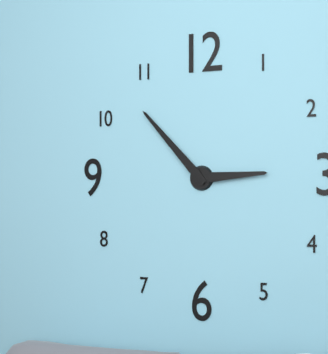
2:53
